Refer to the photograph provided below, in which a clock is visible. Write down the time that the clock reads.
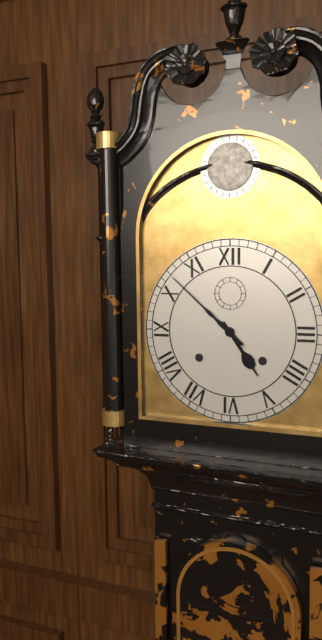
4:52
